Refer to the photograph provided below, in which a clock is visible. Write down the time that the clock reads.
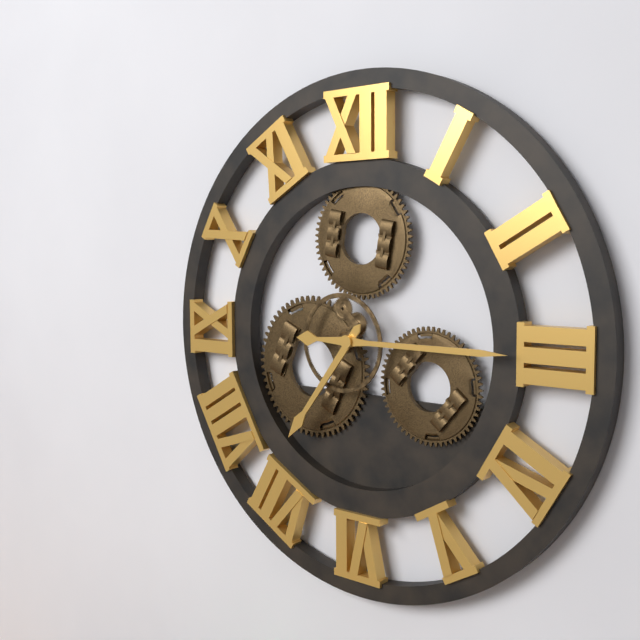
7:15
